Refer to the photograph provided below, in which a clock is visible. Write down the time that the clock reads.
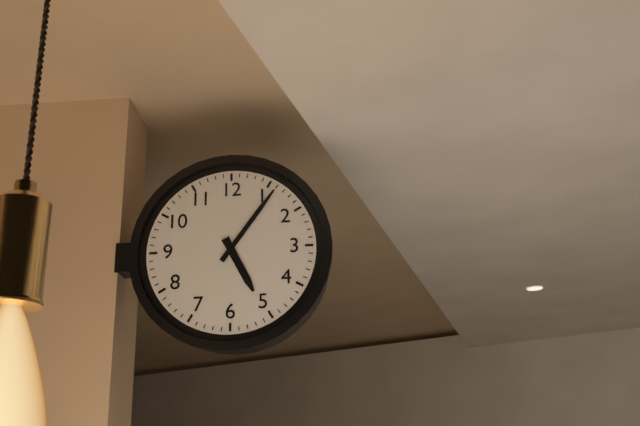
5:06
